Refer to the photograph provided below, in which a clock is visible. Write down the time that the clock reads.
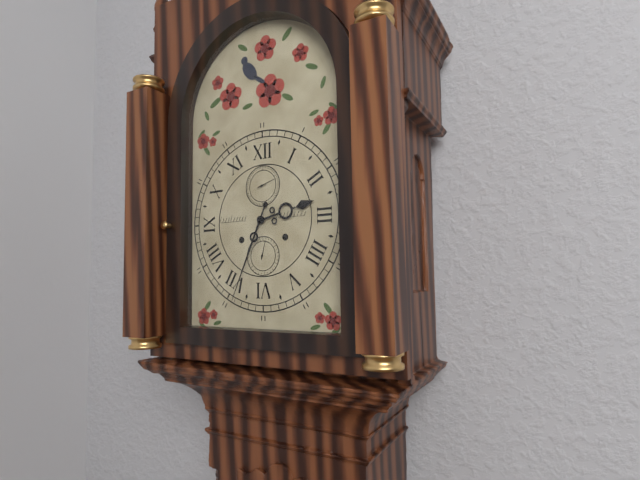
2:34
